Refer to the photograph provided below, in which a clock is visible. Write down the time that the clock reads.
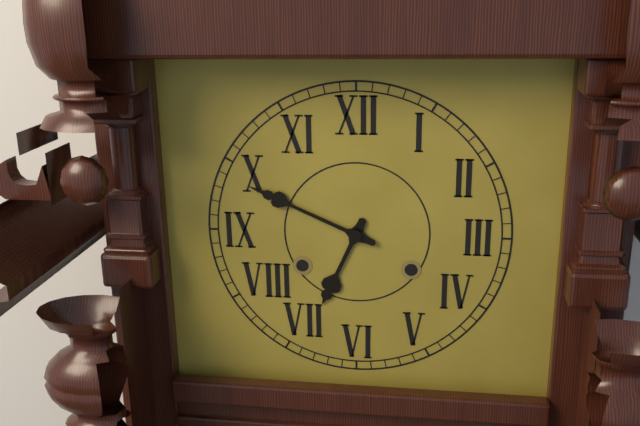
6:49
